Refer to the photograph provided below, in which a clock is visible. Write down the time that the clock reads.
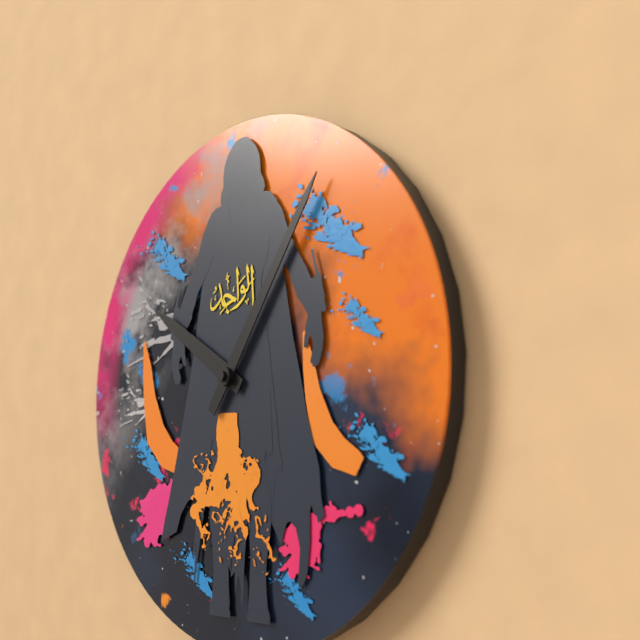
10:06
